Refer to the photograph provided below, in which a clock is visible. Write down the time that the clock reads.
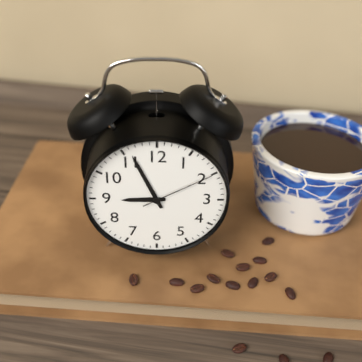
8:56:10
